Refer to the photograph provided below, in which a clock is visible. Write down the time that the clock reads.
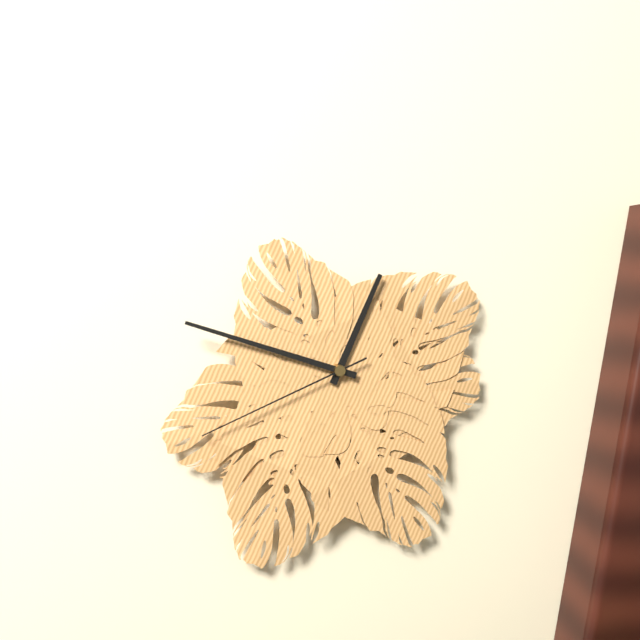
12:48:41
